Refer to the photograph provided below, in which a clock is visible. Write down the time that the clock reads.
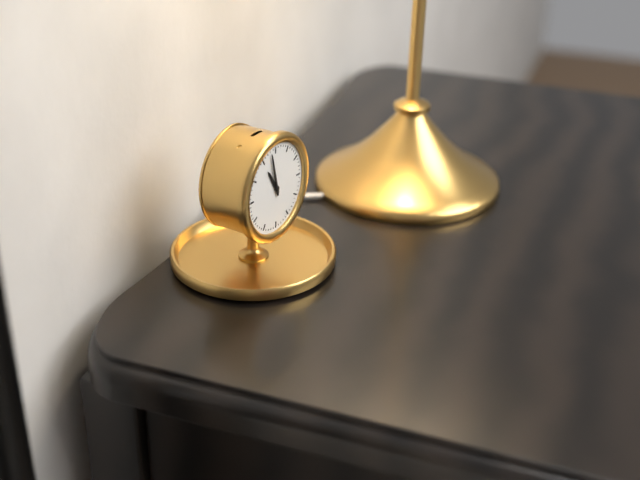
10:58
